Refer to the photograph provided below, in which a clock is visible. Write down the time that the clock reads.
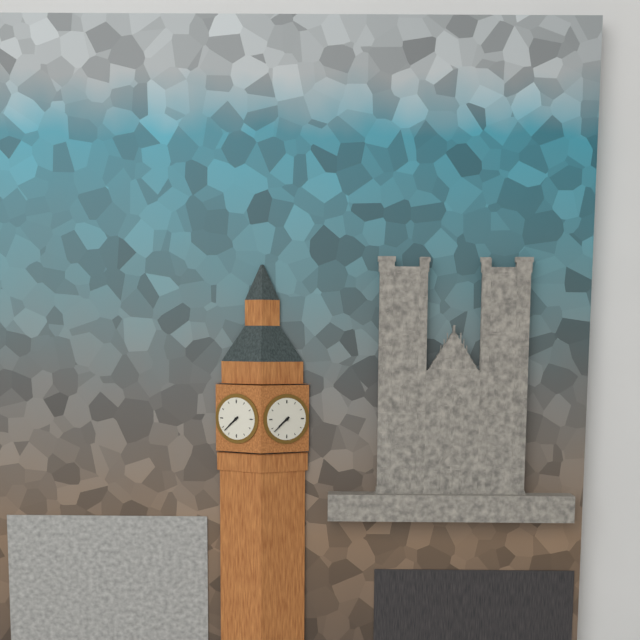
7:38
